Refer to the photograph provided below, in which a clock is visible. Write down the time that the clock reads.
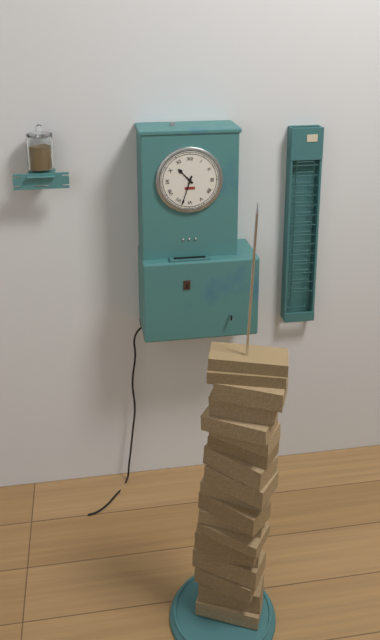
10:33
